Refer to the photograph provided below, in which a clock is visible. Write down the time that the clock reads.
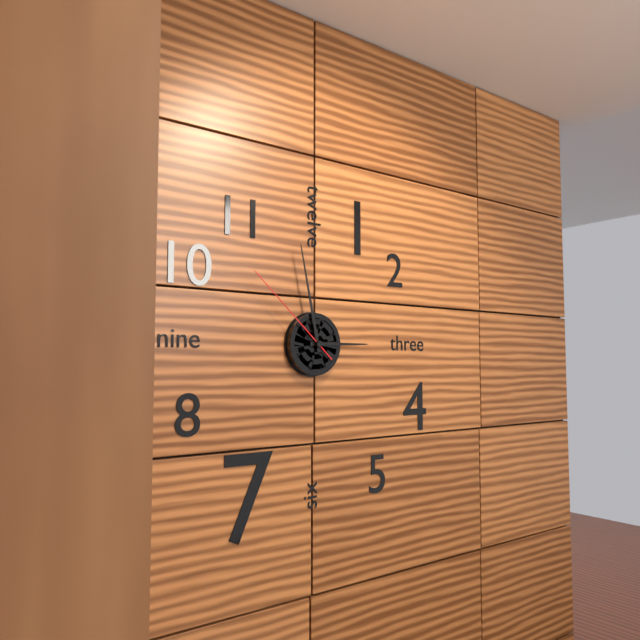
2:58:52
